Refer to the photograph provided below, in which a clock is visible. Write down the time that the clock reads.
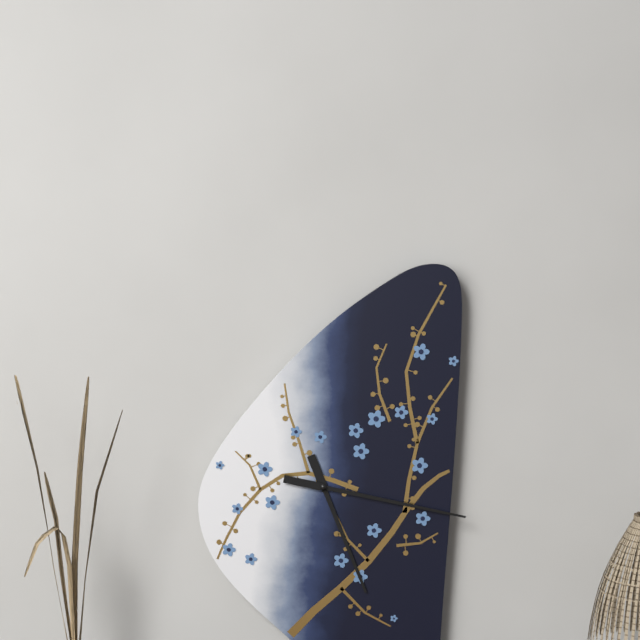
5:17
